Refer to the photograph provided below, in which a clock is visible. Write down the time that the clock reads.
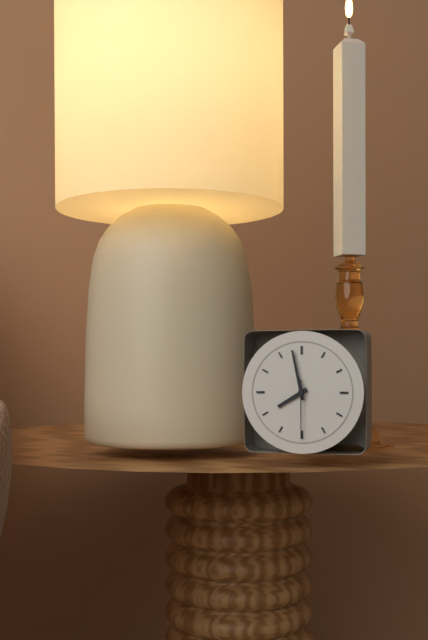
7:58:30
